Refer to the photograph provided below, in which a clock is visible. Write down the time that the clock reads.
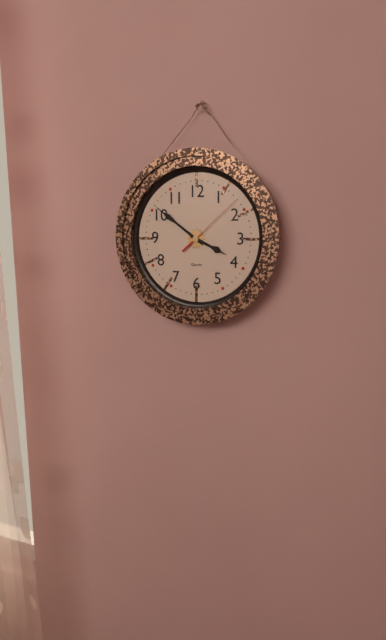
3:51:08
